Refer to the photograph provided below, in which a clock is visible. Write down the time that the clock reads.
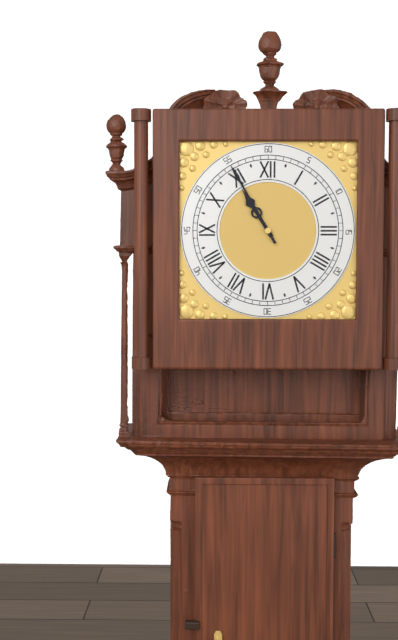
10:55
